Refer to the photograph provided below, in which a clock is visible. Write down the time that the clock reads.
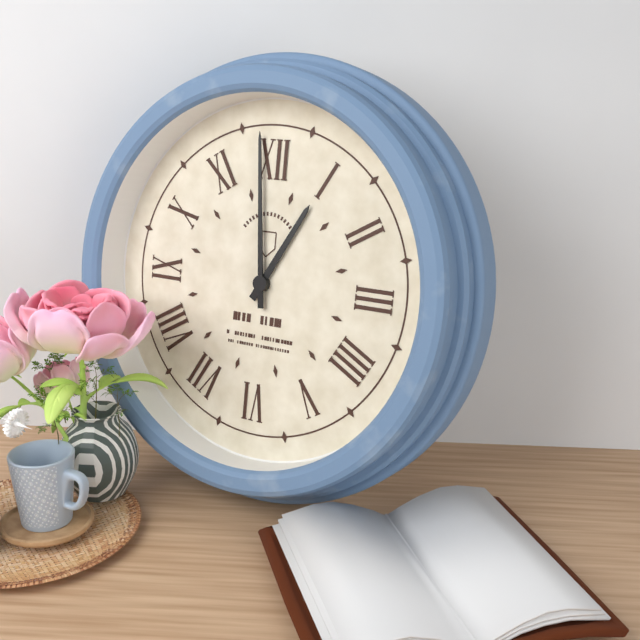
12:59
